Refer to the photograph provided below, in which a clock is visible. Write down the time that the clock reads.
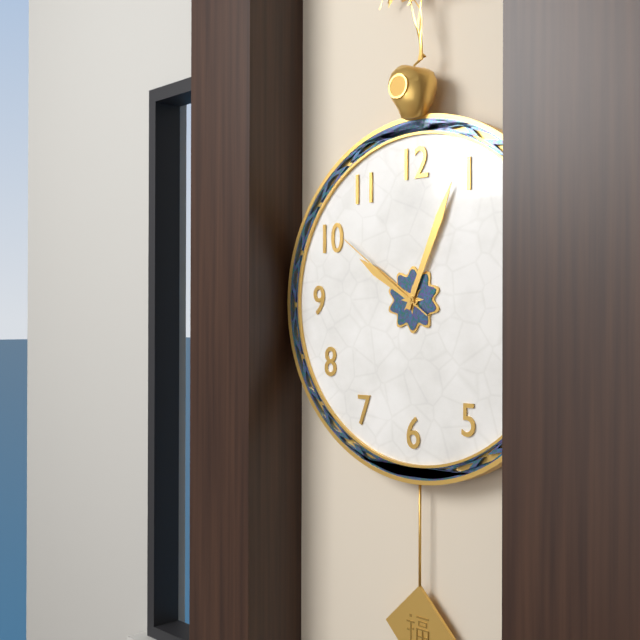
10:04:51
